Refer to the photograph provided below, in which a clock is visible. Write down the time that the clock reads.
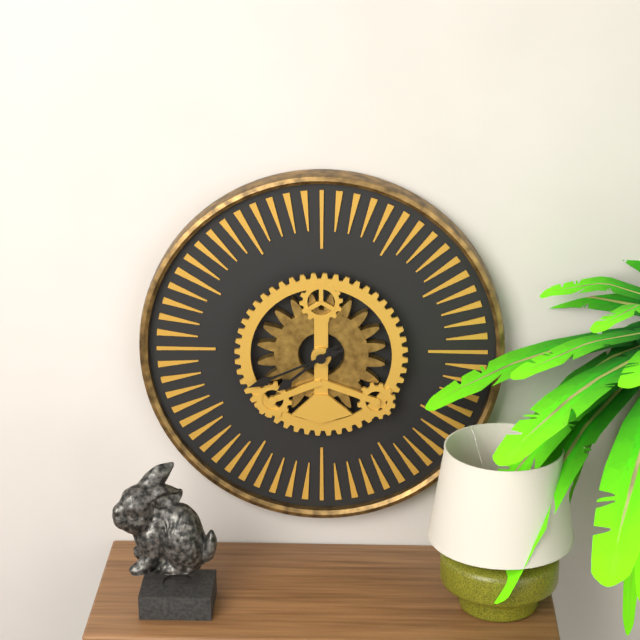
7:41
